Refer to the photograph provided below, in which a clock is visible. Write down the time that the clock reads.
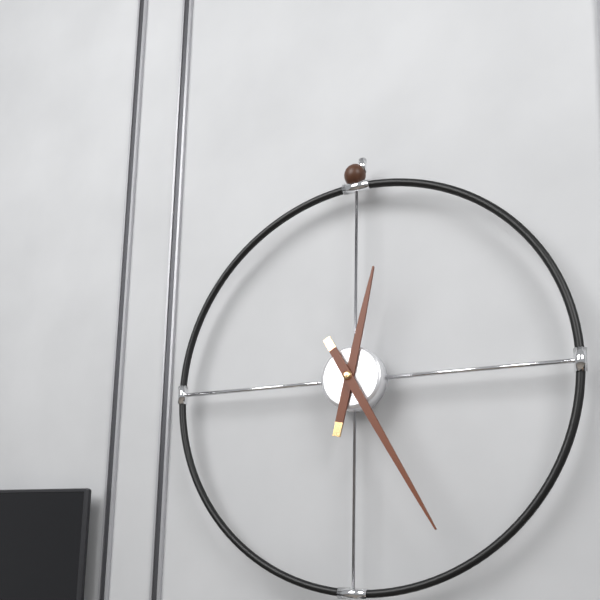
12:25
